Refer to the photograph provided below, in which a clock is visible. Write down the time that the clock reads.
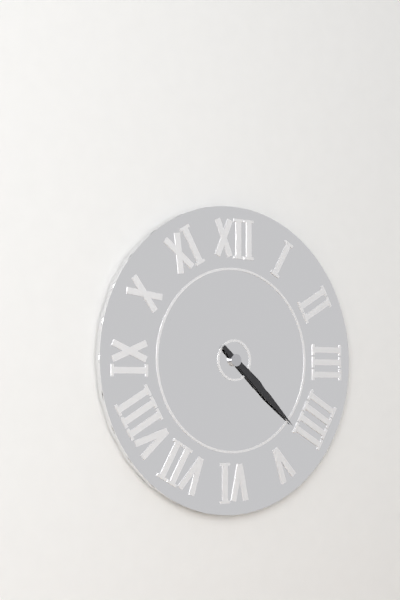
4:22
